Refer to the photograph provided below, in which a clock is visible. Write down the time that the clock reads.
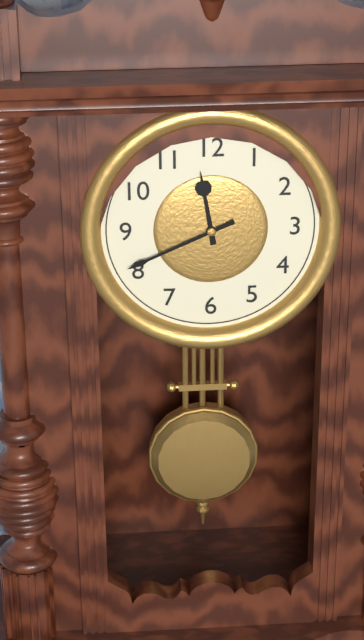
11:41
